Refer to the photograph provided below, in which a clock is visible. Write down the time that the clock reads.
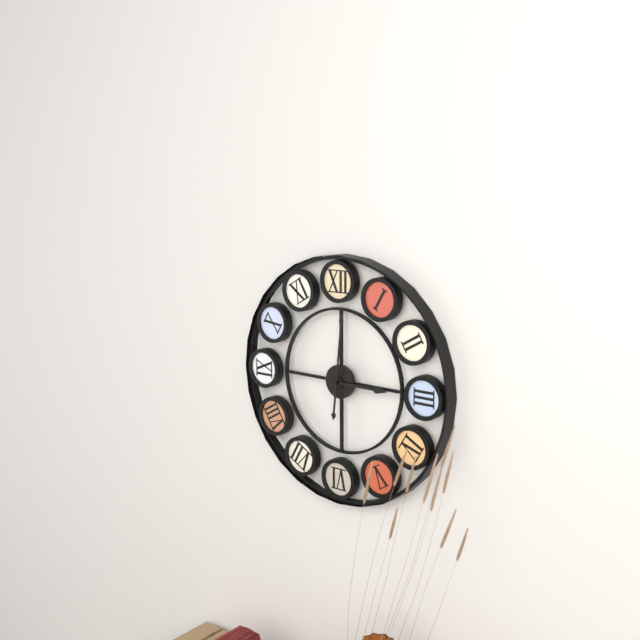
3:01
